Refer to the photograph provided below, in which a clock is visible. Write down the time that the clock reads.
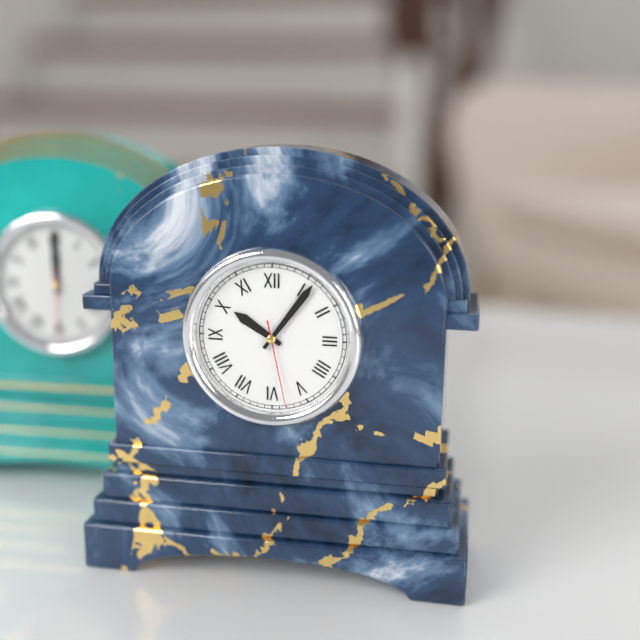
10:06:28
